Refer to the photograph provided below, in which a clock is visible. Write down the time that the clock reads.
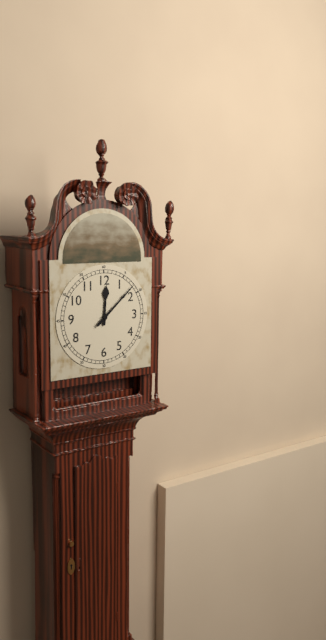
12:08
